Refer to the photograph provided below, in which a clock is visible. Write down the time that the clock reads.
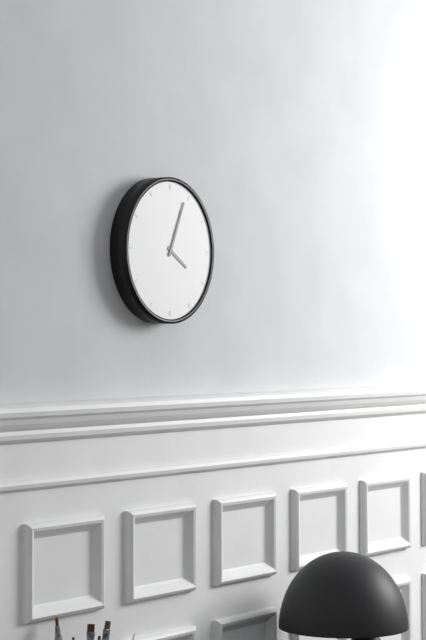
4:04
